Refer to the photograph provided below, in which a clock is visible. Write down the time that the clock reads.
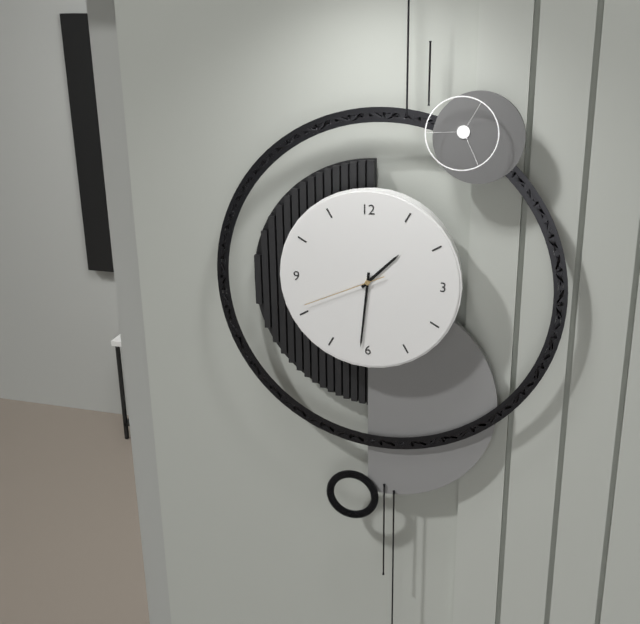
1:31:41
